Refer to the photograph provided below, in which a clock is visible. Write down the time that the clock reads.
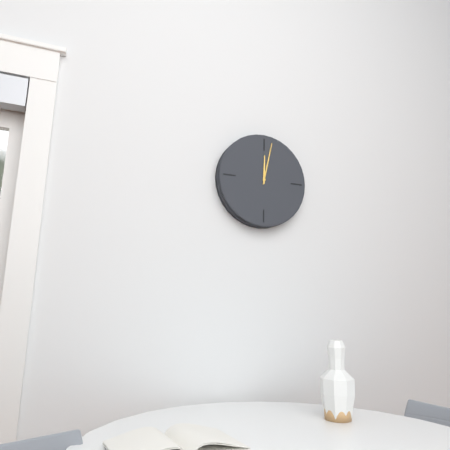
12:02
